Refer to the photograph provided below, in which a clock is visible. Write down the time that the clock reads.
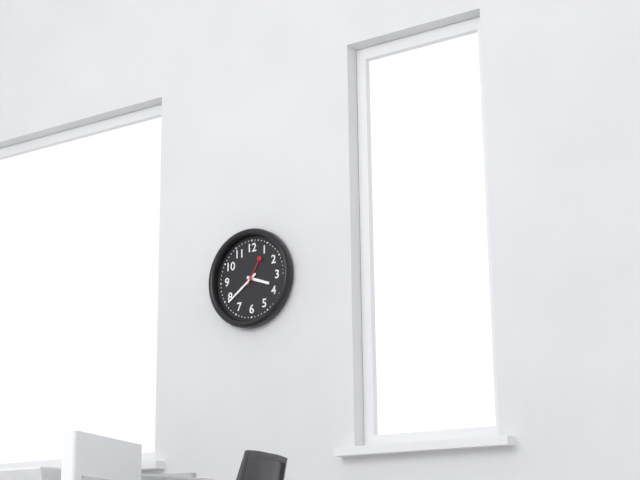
3:39
